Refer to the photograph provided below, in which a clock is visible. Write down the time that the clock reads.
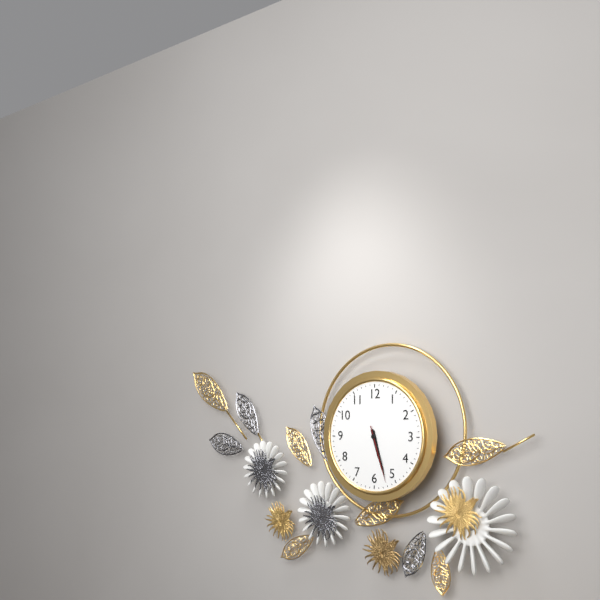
5:27:27
